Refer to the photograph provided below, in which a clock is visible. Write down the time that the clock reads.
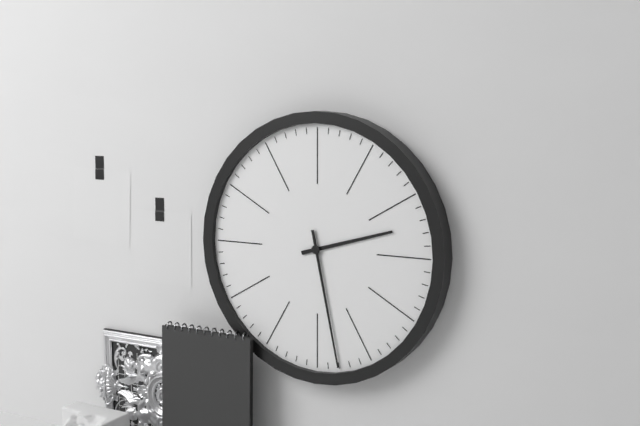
2:28
